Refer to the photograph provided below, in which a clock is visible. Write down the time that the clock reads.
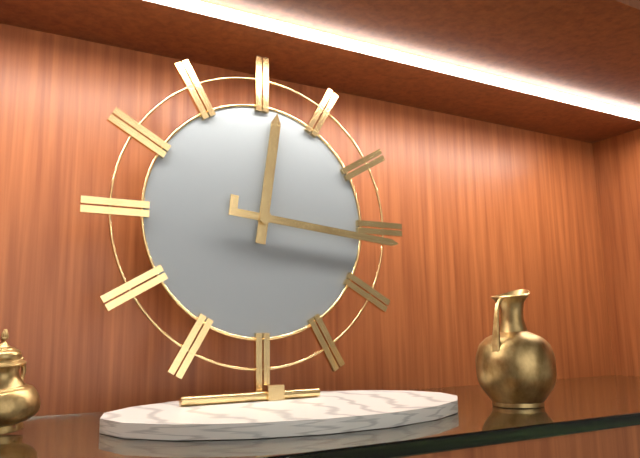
12:16
